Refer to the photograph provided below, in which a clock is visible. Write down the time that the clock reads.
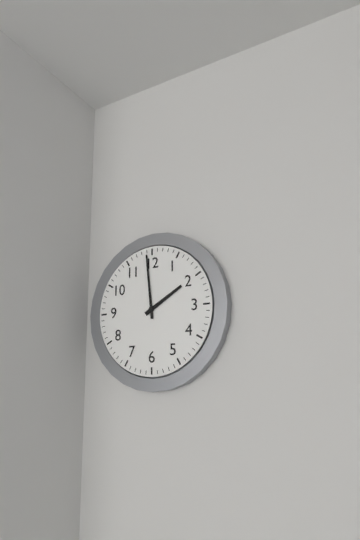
1:59
